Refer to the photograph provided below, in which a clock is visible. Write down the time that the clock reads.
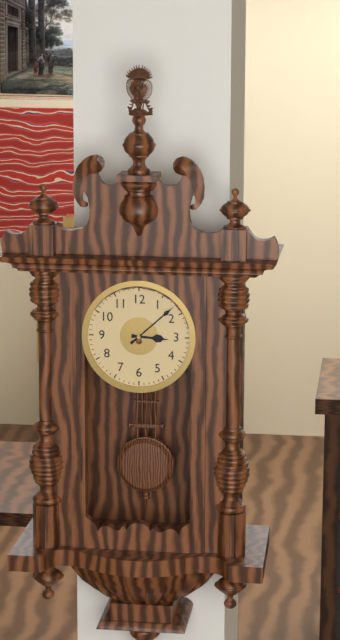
3:08
